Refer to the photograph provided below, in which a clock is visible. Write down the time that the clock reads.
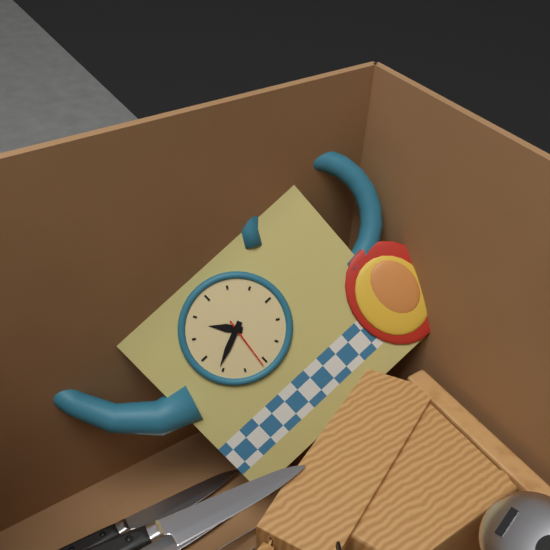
10:41:31
